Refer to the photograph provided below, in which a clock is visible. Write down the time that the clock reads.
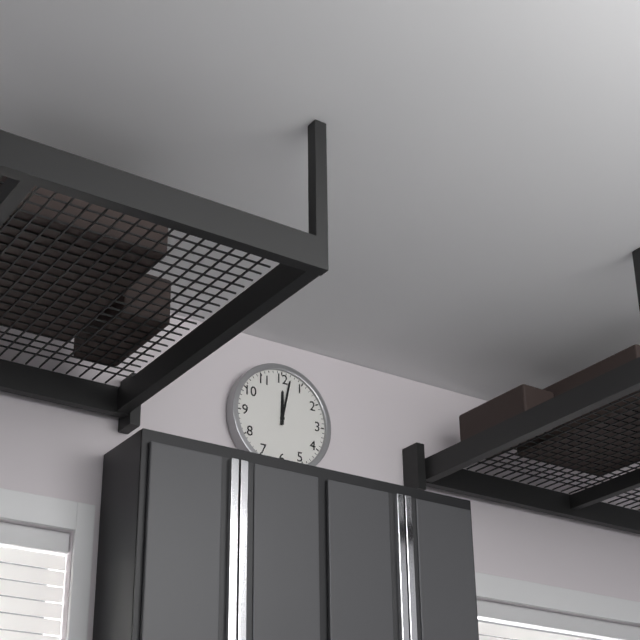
12:02
